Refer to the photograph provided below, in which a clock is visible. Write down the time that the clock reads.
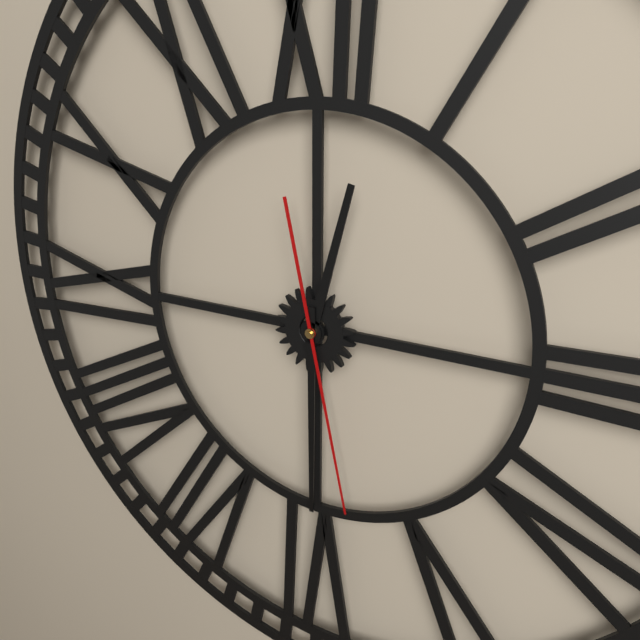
12:30:28
